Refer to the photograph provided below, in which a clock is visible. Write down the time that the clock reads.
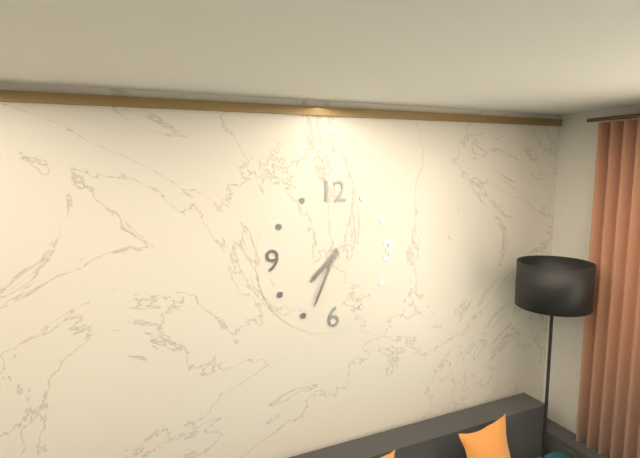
7:34
